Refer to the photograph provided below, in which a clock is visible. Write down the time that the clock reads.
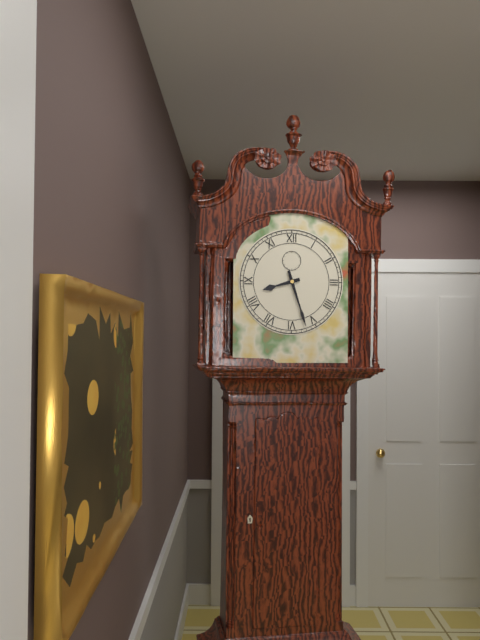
8:27
